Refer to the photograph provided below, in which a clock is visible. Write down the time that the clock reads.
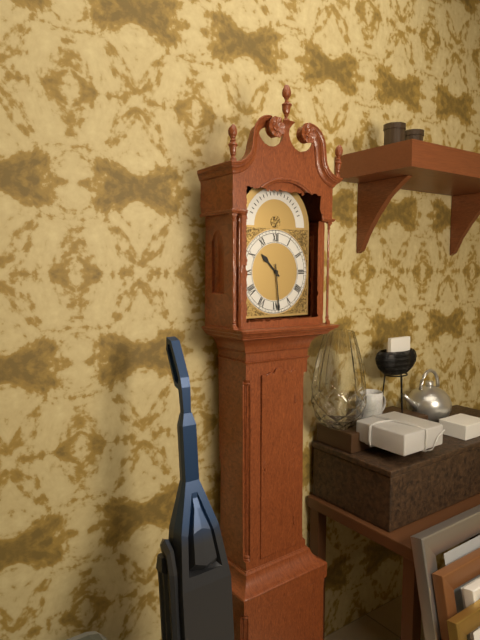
10:29
